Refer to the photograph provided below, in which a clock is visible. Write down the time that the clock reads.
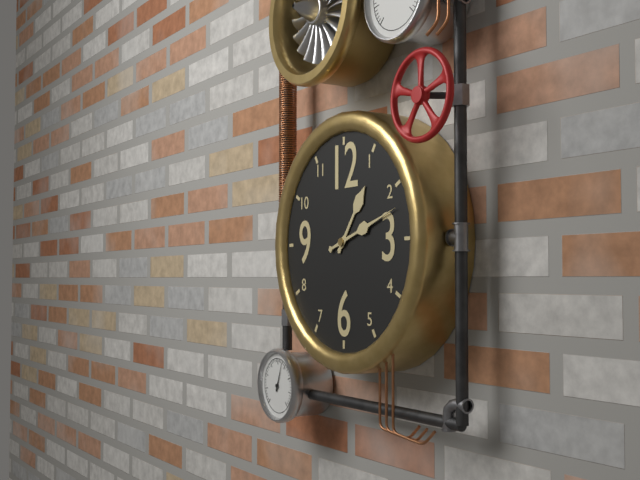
1:12
